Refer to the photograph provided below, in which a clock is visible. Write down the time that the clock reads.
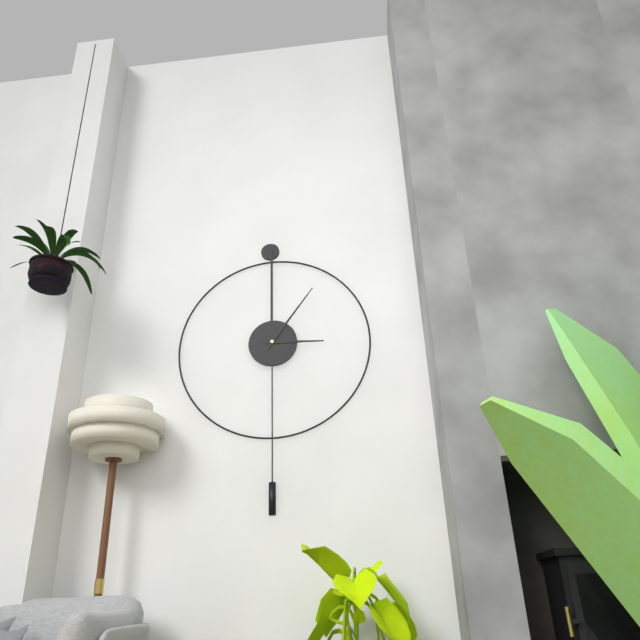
3:06
